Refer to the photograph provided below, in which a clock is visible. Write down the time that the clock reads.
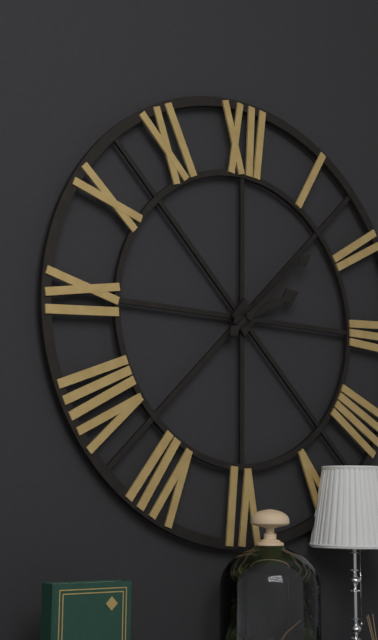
2:08
